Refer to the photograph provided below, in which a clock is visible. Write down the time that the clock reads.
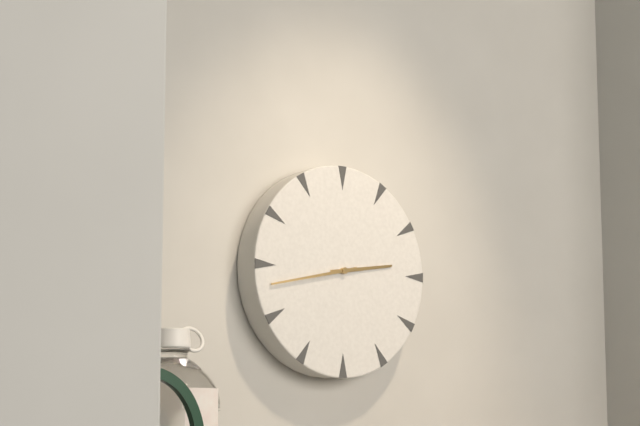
2:43
